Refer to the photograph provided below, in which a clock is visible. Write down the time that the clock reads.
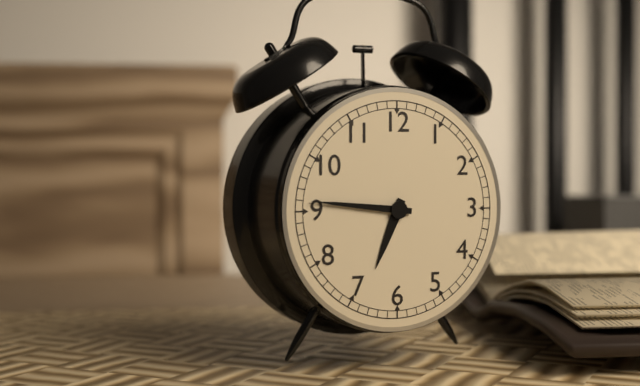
6:46
